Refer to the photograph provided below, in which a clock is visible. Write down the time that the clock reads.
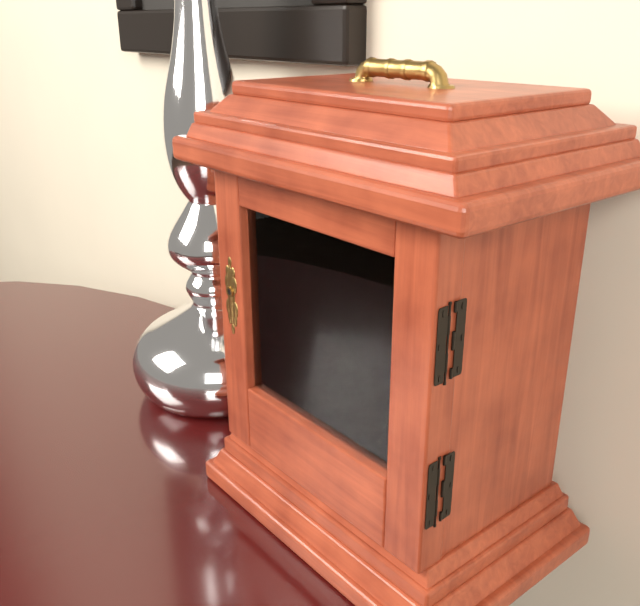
6:12
